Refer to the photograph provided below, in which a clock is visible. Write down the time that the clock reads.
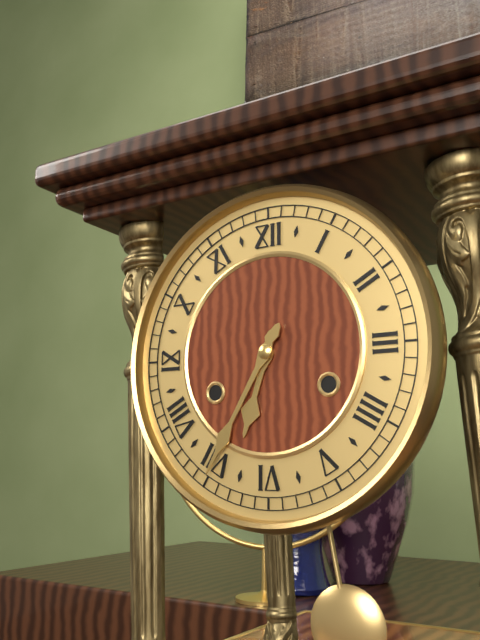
6:35
